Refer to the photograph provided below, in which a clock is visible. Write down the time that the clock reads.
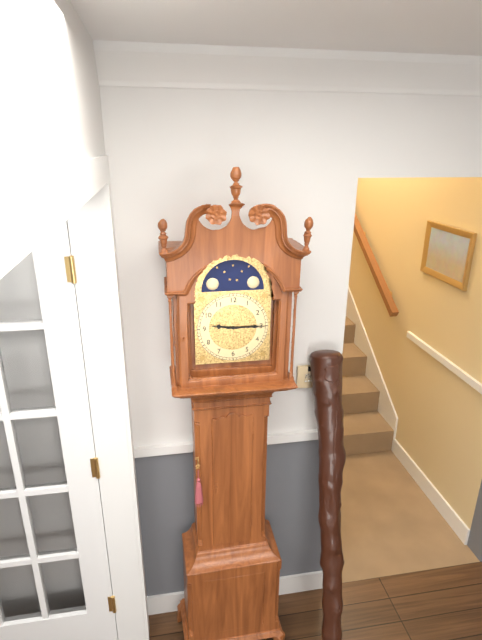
9:15
